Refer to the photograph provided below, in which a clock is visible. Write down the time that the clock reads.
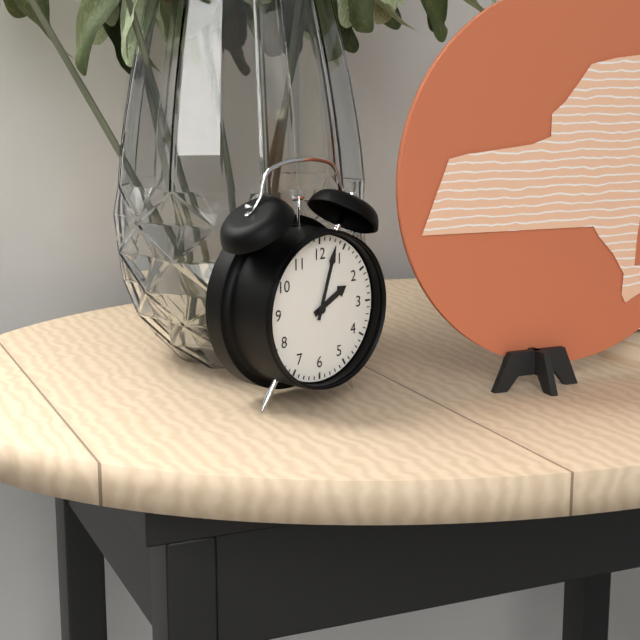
2:03
